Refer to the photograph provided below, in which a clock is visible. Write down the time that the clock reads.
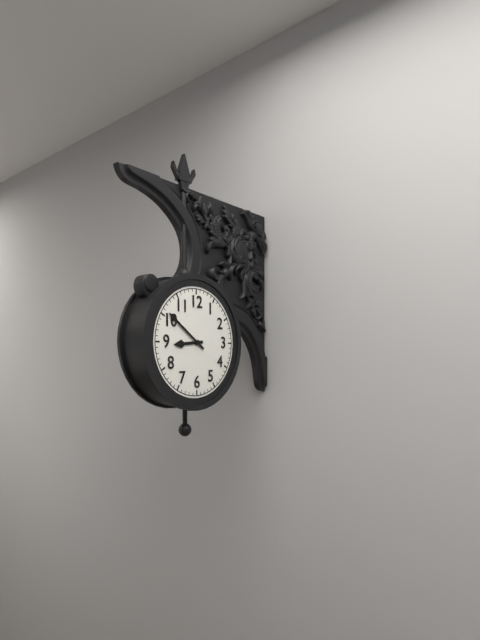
8:51
